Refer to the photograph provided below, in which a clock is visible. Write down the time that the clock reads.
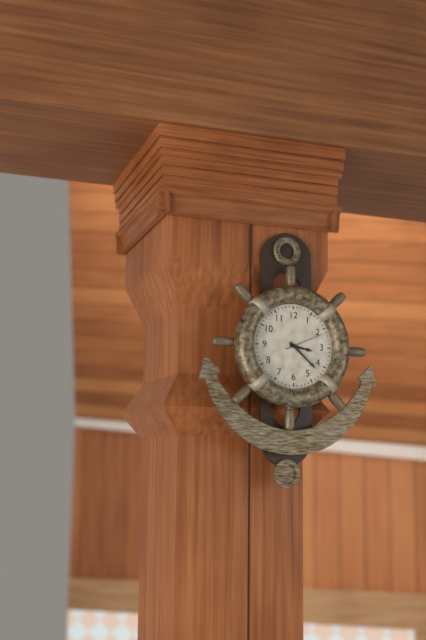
3:22
